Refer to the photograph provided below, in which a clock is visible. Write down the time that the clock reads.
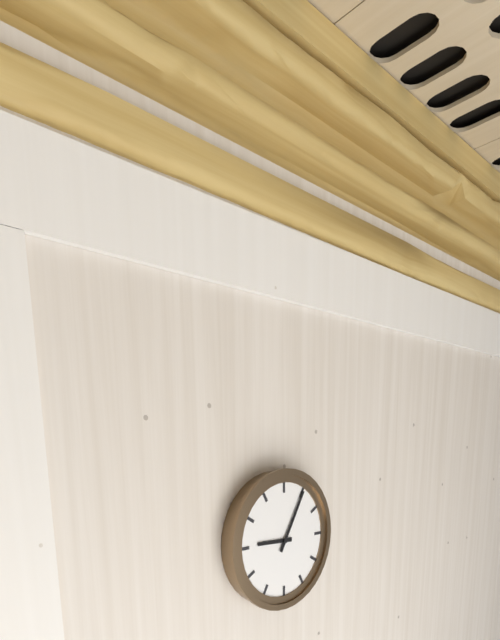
9:05
